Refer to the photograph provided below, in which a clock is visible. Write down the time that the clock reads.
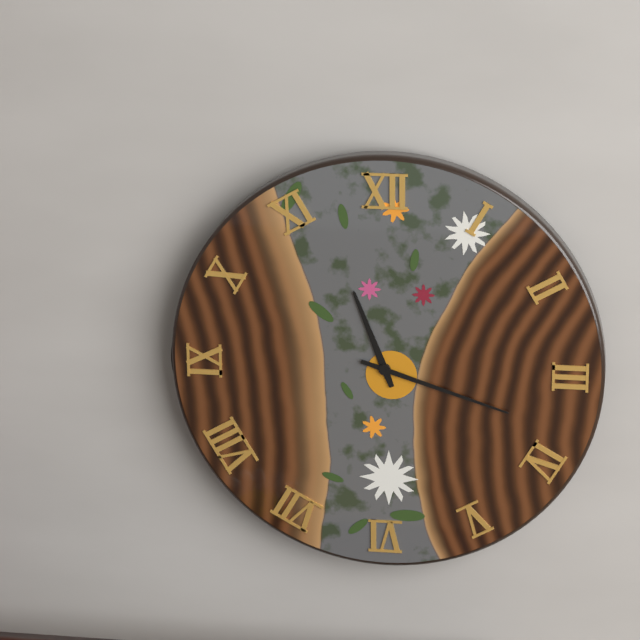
11:18
